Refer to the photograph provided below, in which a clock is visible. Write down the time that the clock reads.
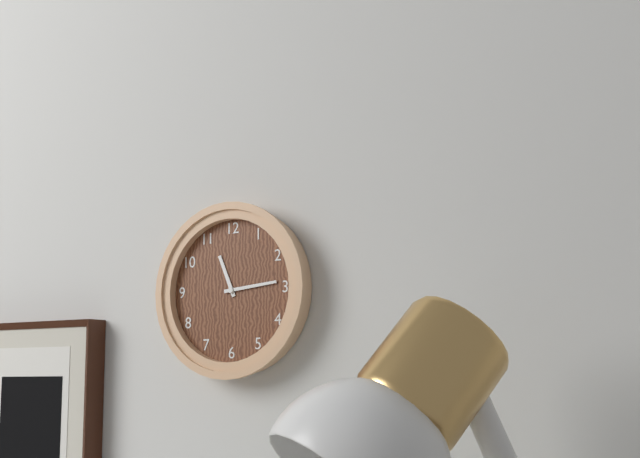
11:14
